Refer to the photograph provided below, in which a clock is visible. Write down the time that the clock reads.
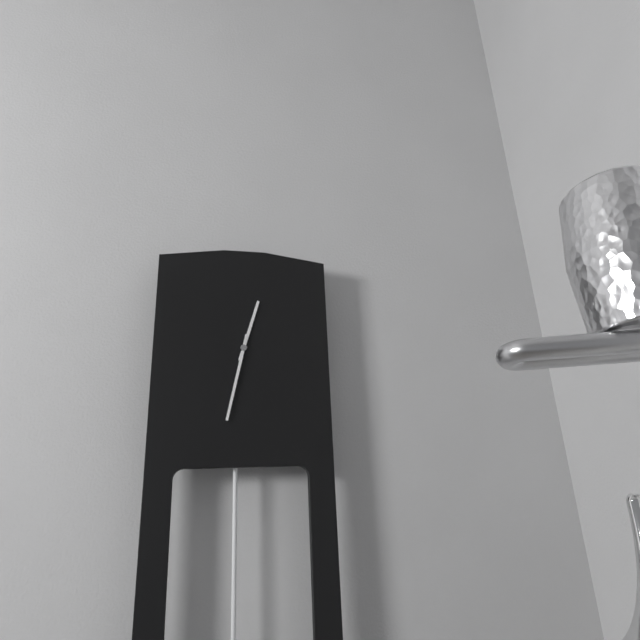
12:32
